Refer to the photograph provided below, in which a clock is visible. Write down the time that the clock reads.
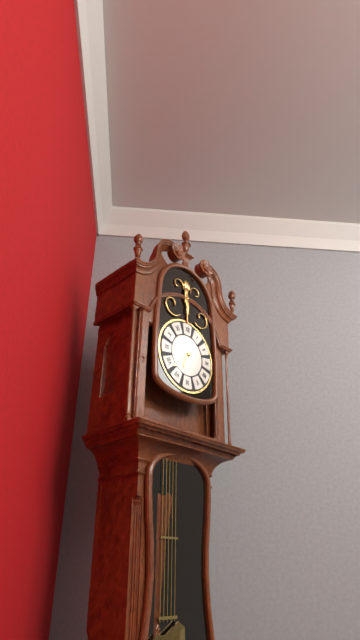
6:38
